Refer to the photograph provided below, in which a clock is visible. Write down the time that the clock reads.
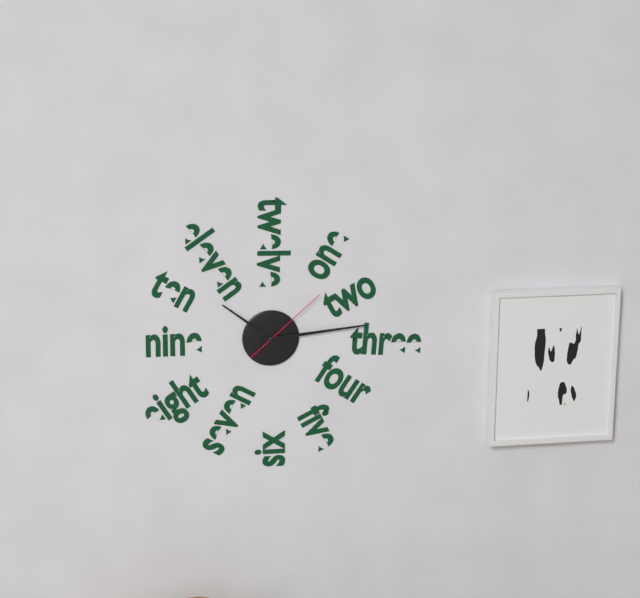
10:14:08
